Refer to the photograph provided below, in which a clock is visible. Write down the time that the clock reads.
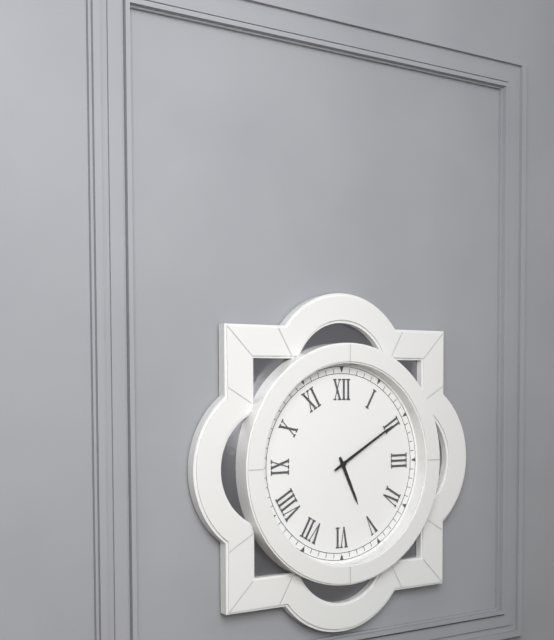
5:10
